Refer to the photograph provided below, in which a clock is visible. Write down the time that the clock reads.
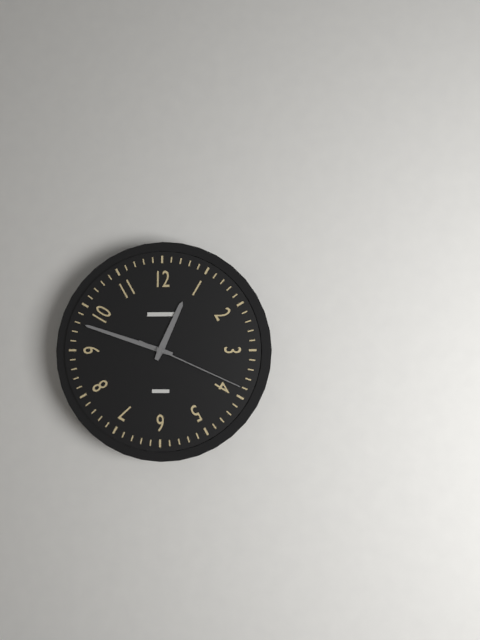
12:48:19
